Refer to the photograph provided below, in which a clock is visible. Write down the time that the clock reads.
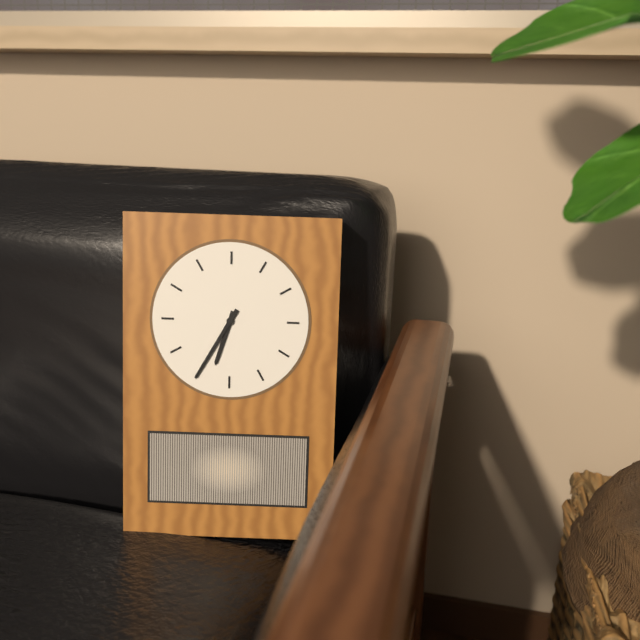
6:35
